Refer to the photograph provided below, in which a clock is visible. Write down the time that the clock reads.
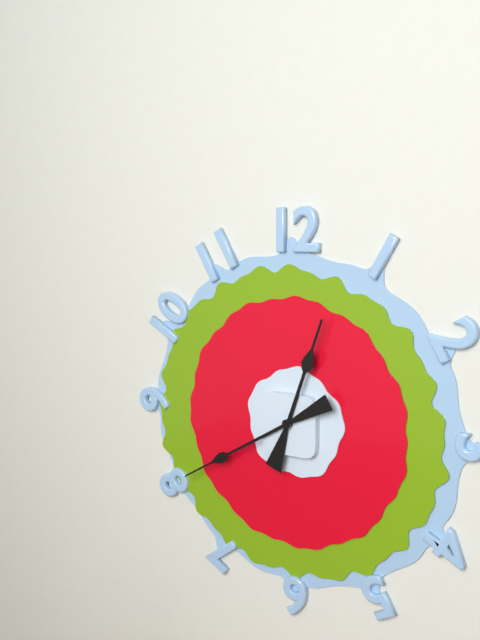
12:40
